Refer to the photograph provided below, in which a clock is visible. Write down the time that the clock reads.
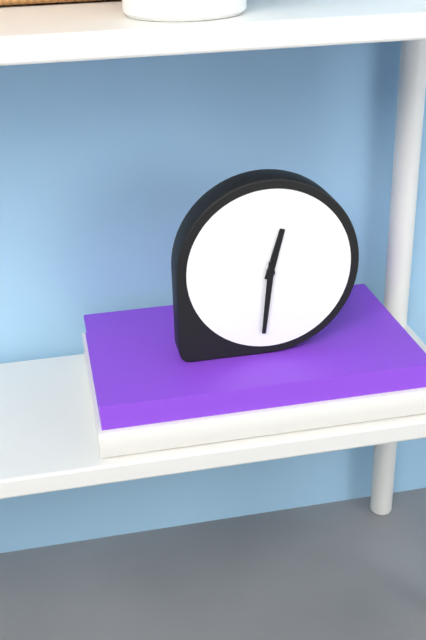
12:31
